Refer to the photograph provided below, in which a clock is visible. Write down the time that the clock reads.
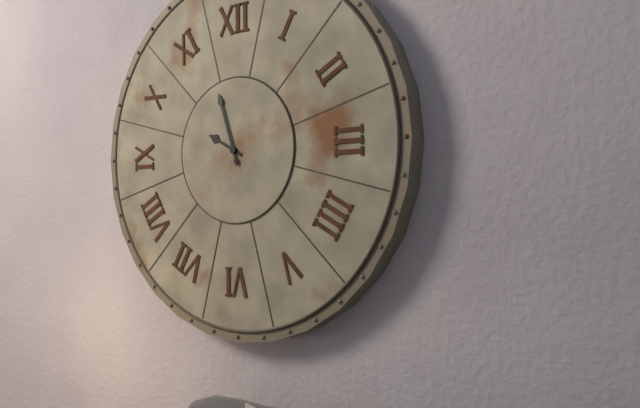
9:57
